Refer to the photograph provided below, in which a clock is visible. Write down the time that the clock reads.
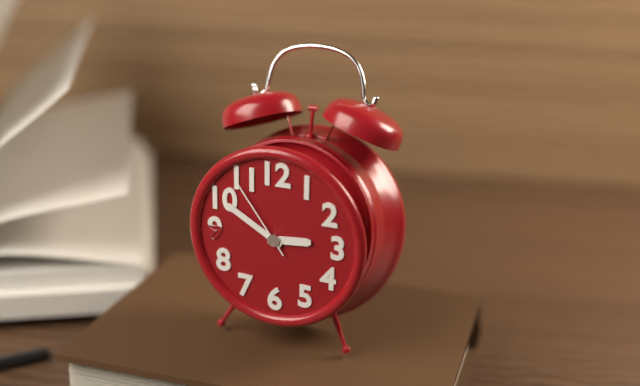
2:50:54
